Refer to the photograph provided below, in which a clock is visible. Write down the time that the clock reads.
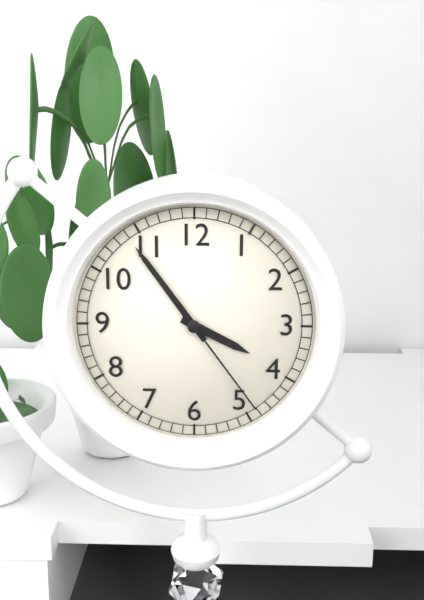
3:54:24
